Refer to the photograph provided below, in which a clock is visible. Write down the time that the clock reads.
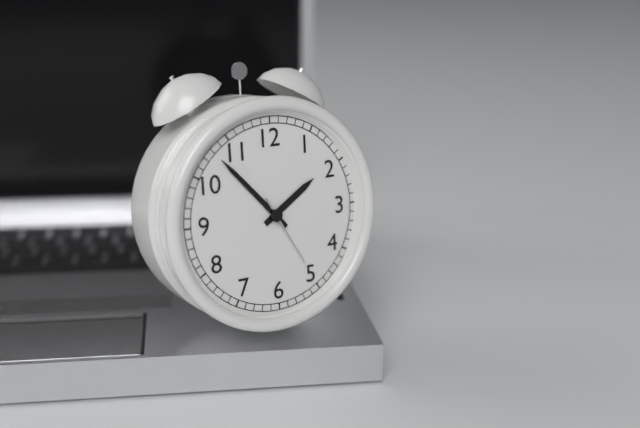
1:53:25
